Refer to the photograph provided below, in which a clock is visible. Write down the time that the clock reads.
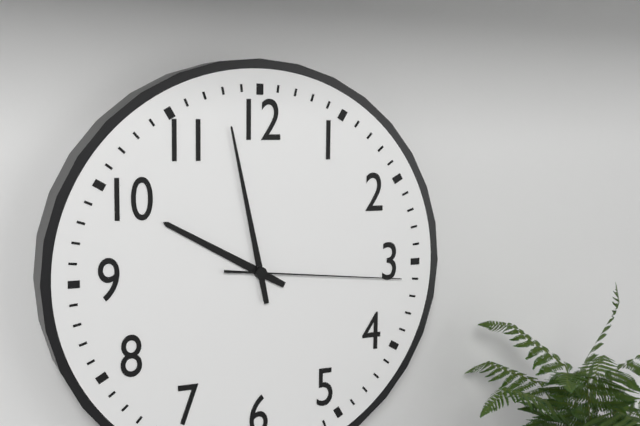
9:58:16
